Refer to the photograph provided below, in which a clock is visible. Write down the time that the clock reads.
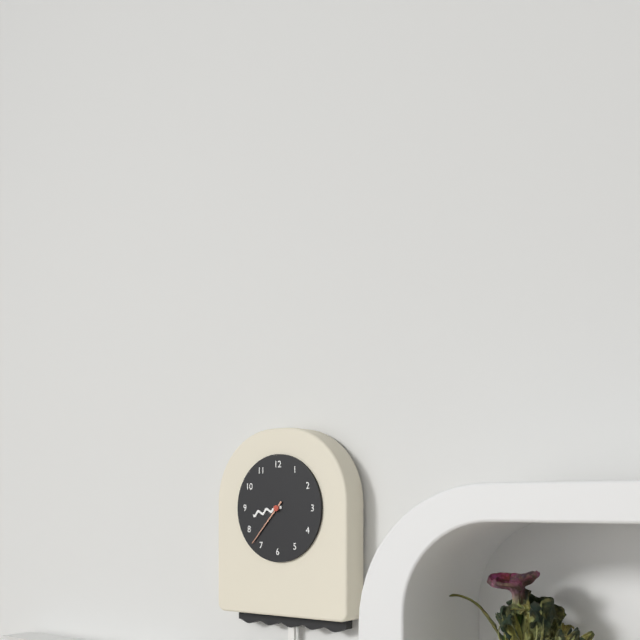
8:37
